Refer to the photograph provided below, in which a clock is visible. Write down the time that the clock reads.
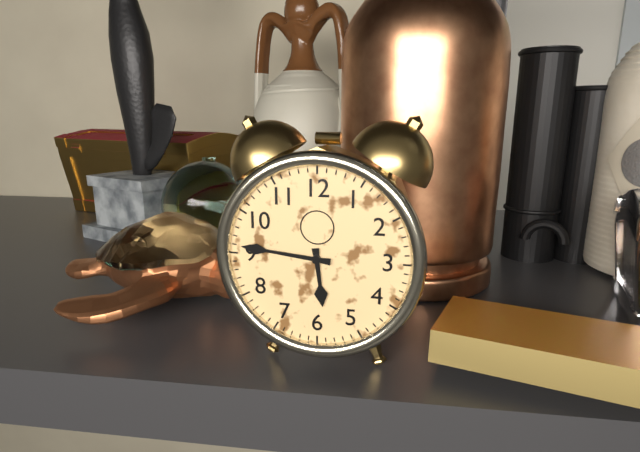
5:46
